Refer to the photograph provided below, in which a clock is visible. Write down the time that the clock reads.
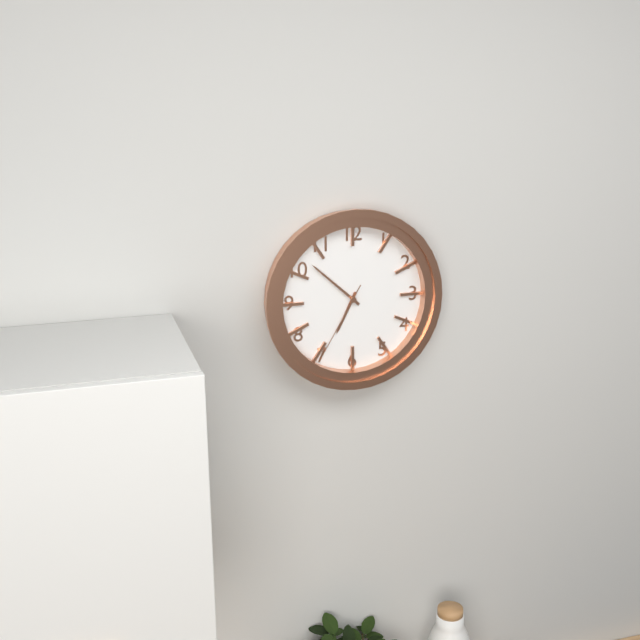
6:52:35
